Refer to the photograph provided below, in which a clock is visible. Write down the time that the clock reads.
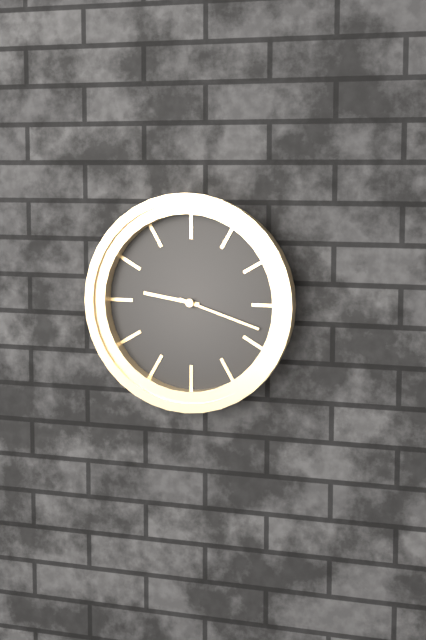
9:18
